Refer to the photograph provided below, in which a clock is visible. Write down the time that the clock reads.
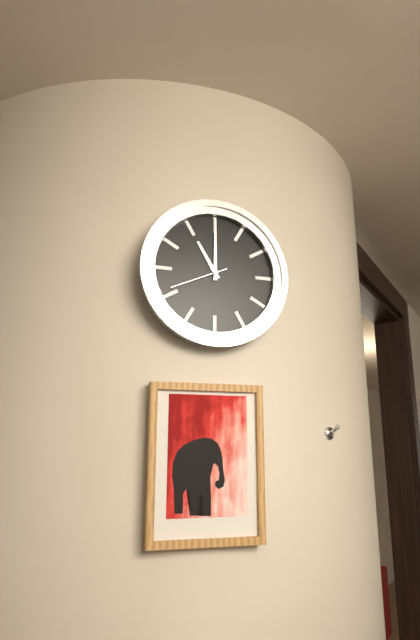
11:00:41
